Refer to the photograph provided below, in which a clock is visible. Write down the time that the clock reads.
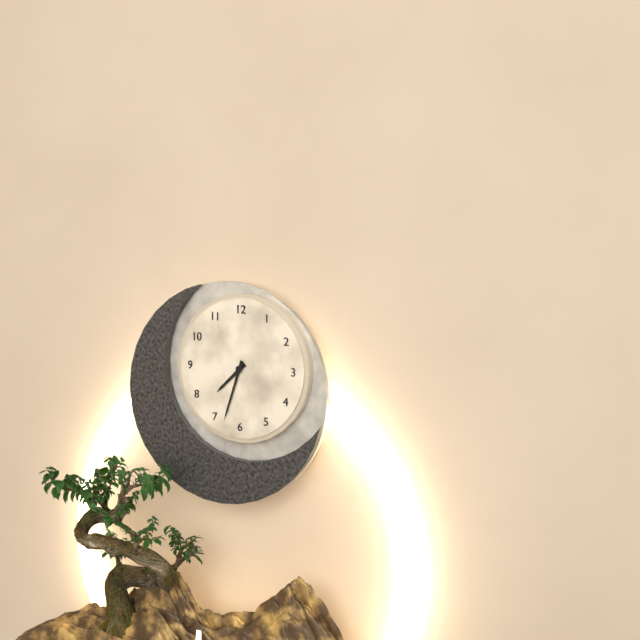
7:33
